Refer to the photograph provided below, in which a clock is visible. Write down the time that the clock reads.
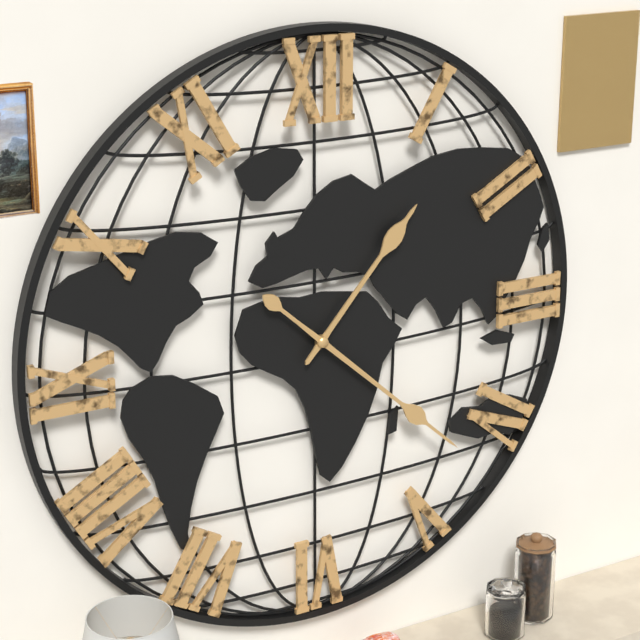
1:22
